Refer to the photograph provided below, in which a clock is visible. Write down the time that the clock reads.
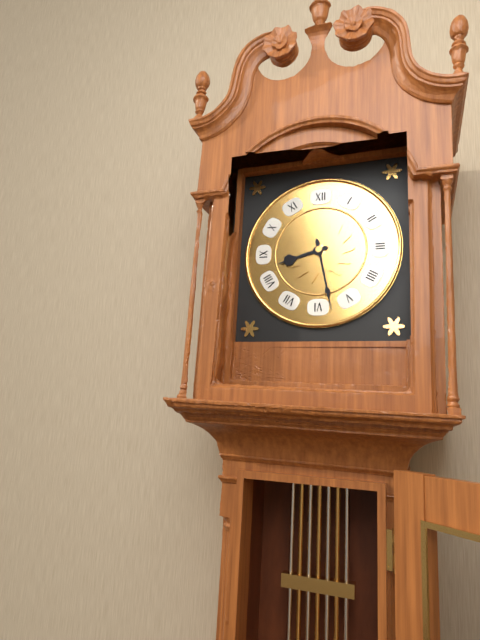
8:28
